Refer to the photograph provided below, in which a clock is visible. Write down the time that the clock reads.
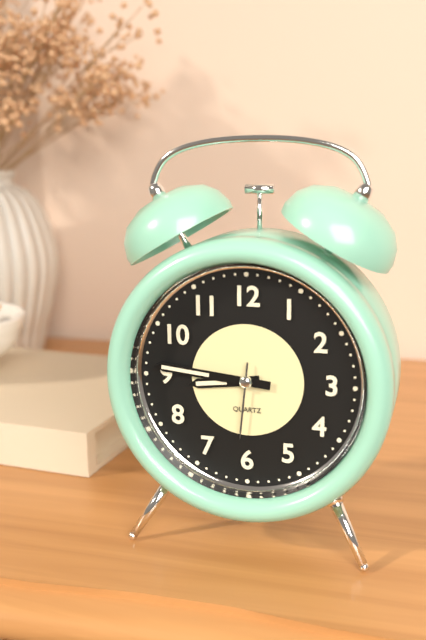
8:46:31
